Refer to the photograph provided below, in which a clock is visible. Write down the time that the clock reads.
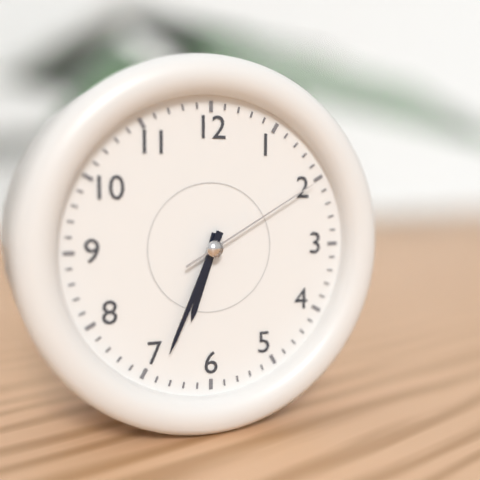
6:34:10
